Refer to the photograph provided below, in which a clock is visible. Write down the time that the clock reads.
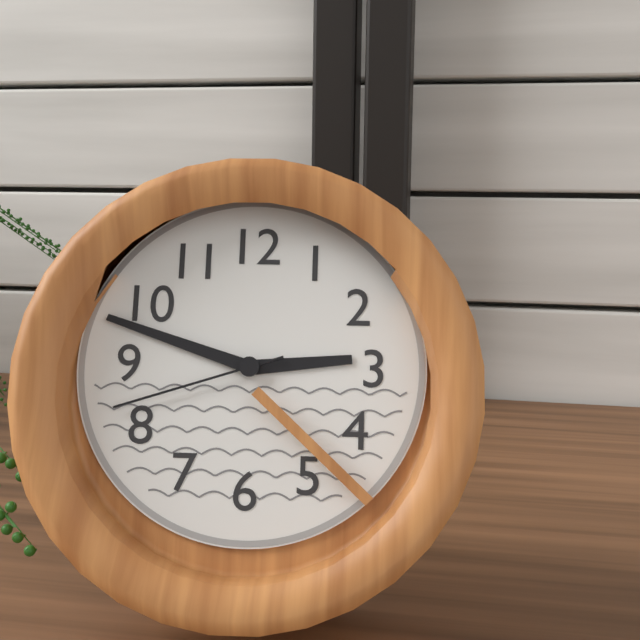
2:48:42
